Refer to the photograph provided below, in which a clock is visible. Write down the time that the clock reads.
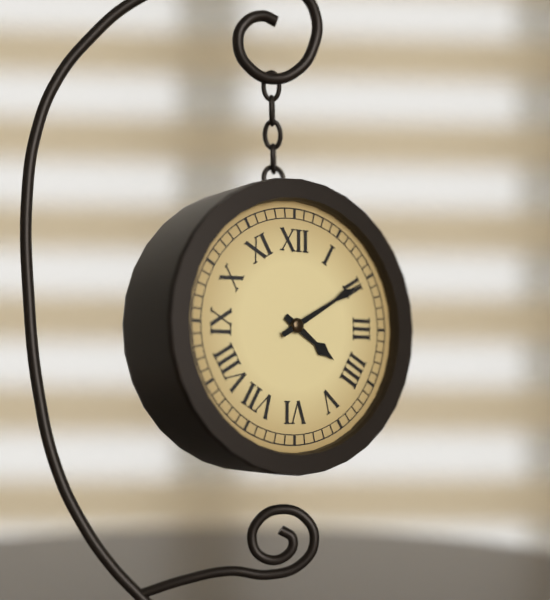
4:10
